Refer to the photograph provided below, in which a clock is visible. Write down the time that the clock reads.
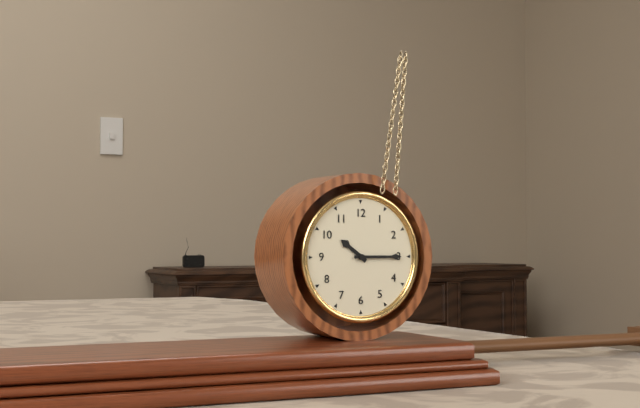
10:15
